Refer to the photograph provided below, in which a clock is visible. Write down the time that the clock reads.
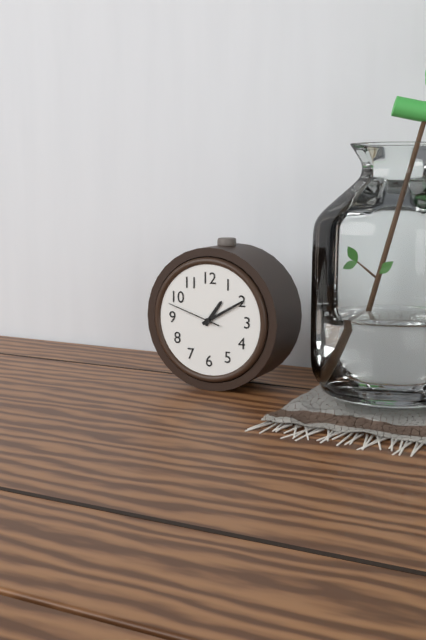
1:10:48
